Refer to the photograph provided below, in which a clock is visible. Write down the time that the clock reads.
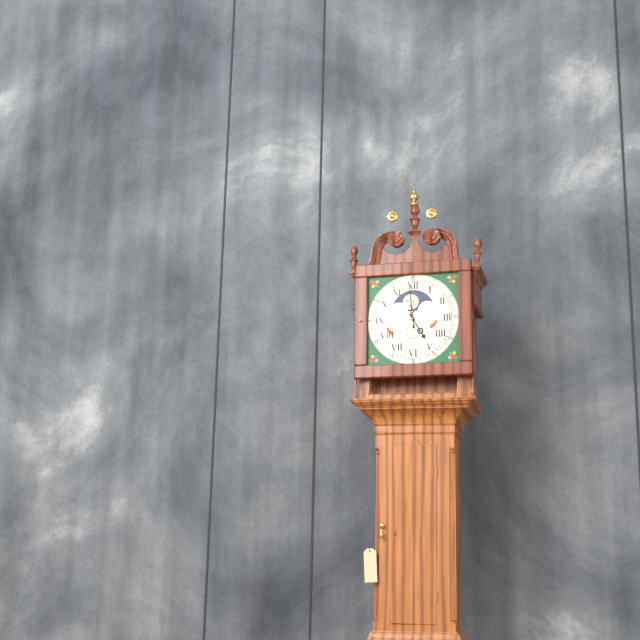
4:59
